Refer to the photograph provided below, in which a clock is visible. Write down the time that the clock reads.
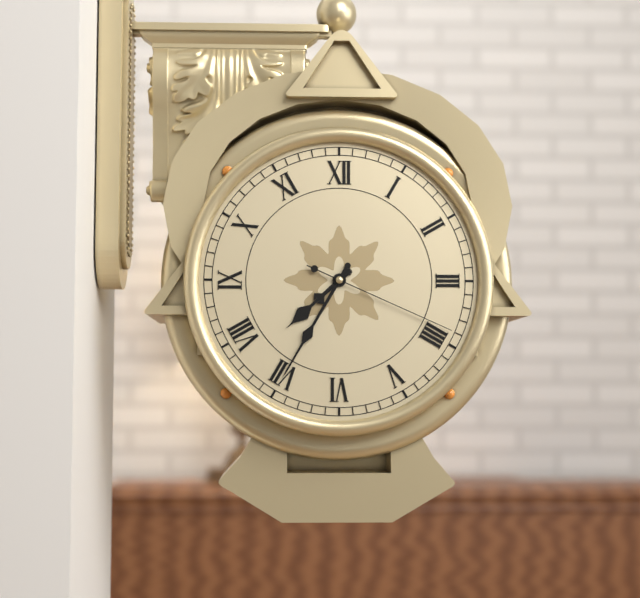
7:35:19
